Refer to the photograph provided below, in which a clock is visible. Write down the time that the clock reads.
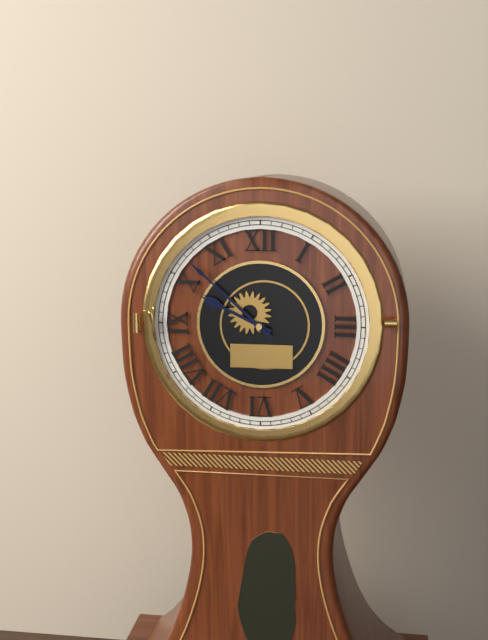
9:52
